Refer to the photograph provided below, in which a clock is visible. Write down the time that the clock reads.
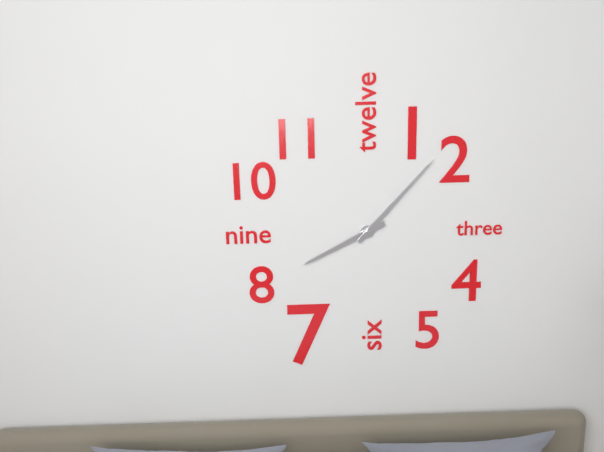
8:07
